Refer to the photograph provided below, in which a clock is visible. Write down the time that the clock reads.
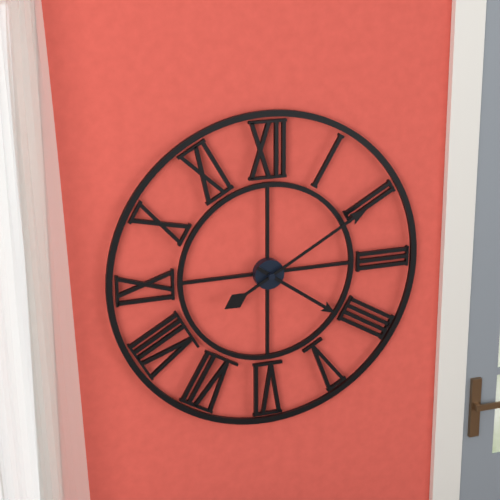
4:10
